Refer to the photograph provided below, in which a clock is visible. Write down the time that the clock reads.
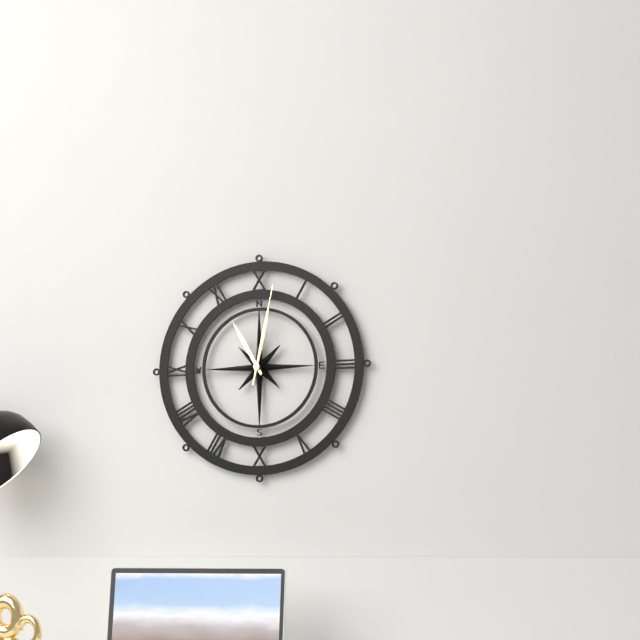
11:02:02
